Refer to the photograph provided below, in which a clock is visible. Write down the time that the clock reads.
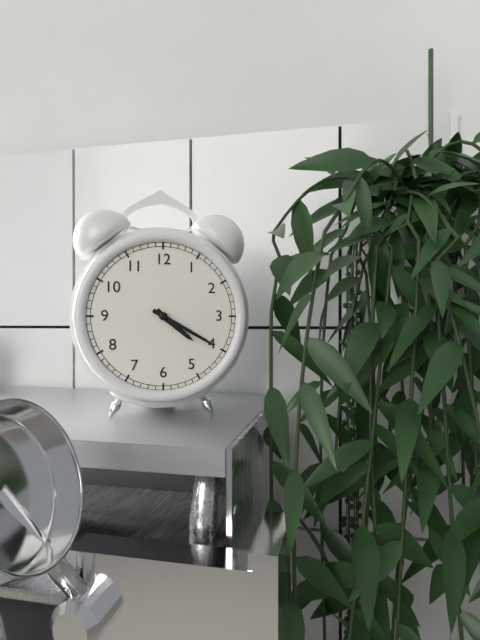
4:20
